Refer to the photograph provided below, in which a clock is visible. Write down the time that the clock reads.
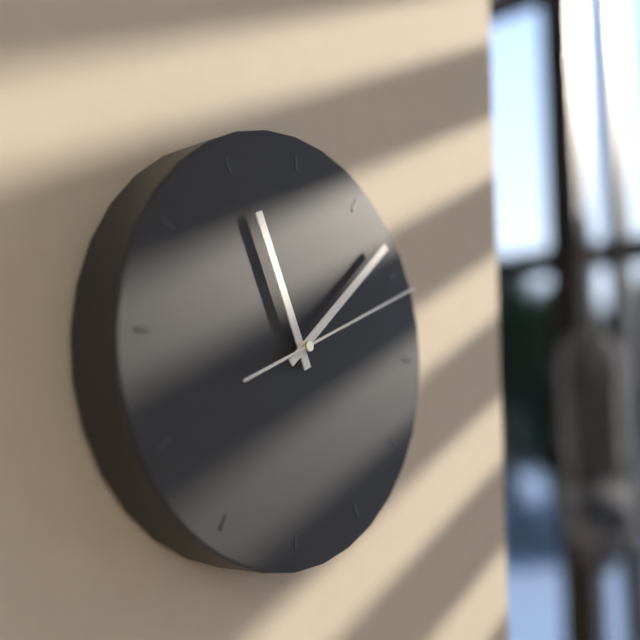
11:08:11
